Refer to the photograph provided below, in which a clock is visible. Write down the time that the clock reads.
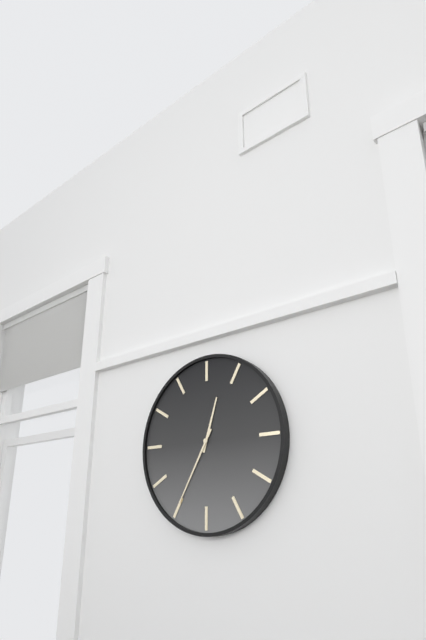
12:35
